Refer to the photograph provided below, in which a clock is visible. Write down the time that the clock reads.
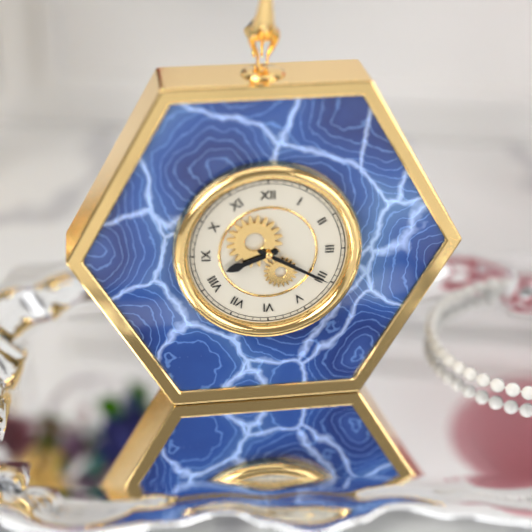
8:20
